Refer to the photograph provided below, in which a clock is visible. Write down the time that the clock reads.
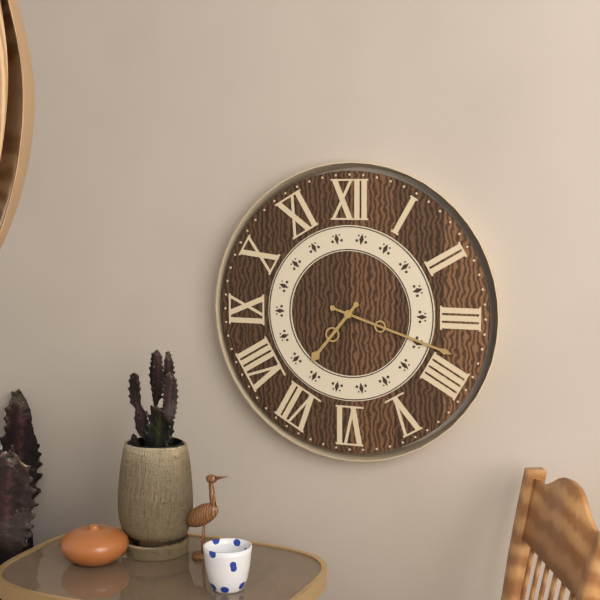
7:18
